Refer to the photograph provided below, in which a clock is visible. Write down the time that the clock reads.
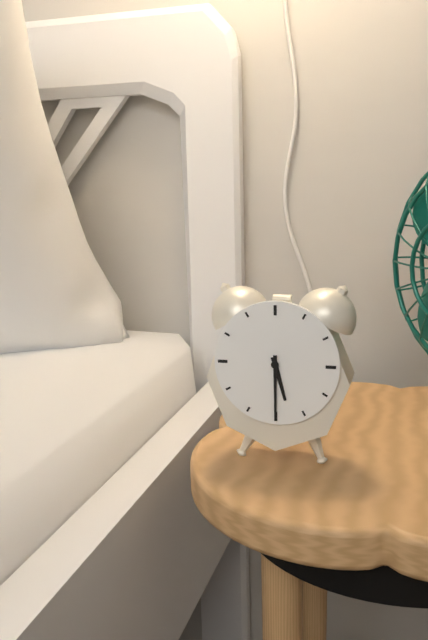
5:30
